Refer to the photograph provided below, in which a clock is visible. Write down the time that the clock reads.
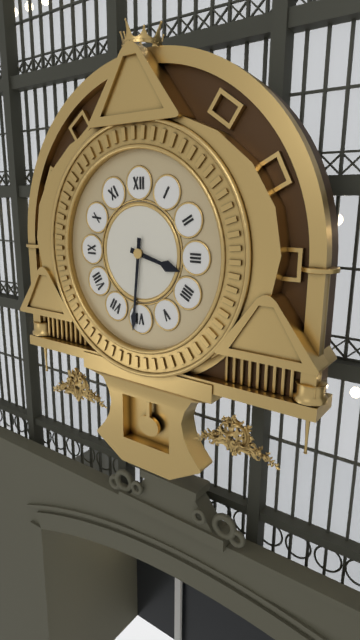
3:31
